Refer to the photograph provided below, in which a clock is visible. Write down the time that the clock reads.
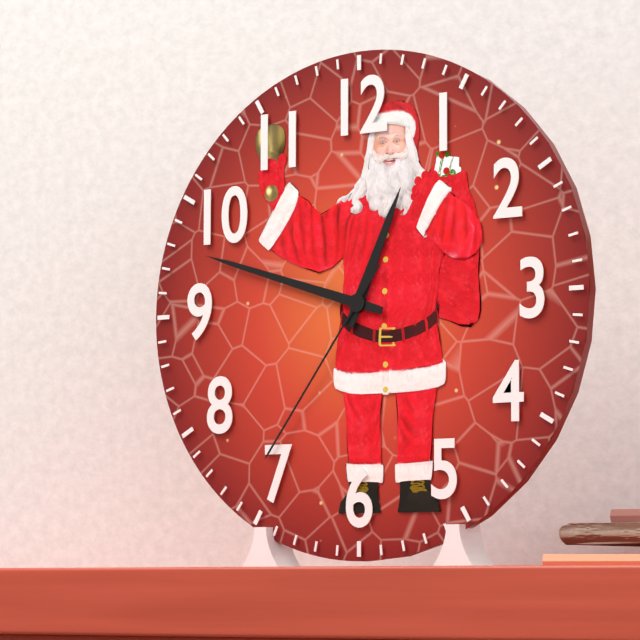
12:48:36
